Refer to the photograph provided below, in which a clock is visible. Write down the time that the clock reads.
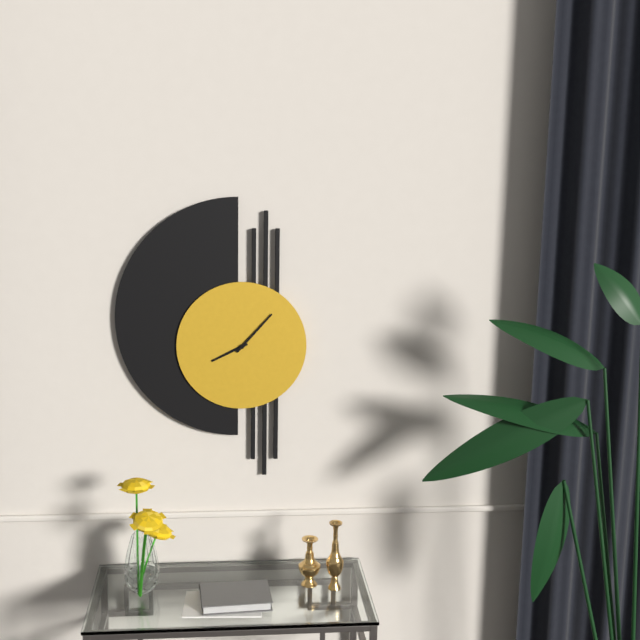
8:07
